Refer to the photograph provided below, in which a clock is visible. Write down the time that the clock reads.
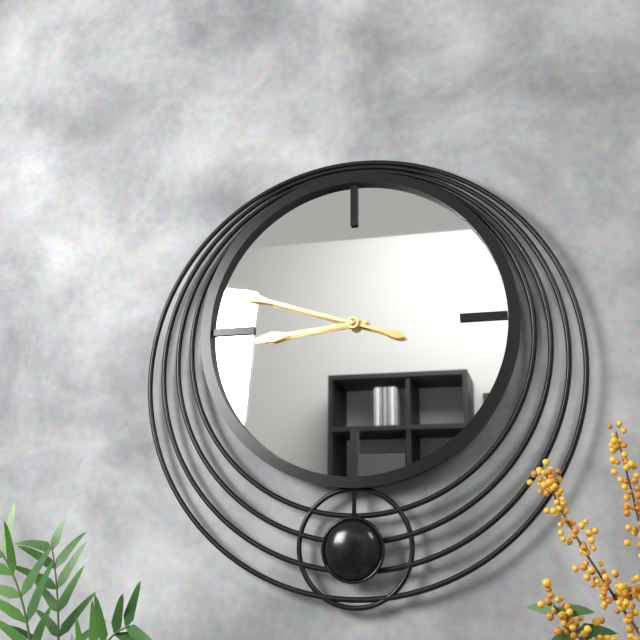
8:48
